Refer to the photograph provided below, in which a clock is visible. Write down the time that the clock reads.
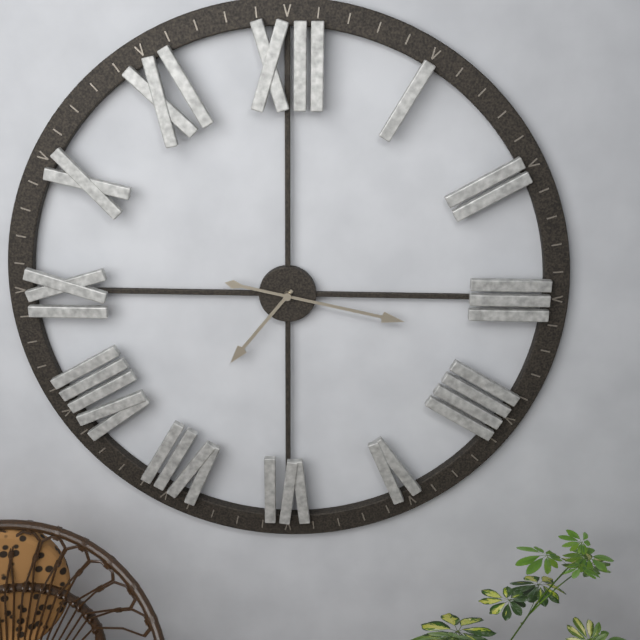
7:17
